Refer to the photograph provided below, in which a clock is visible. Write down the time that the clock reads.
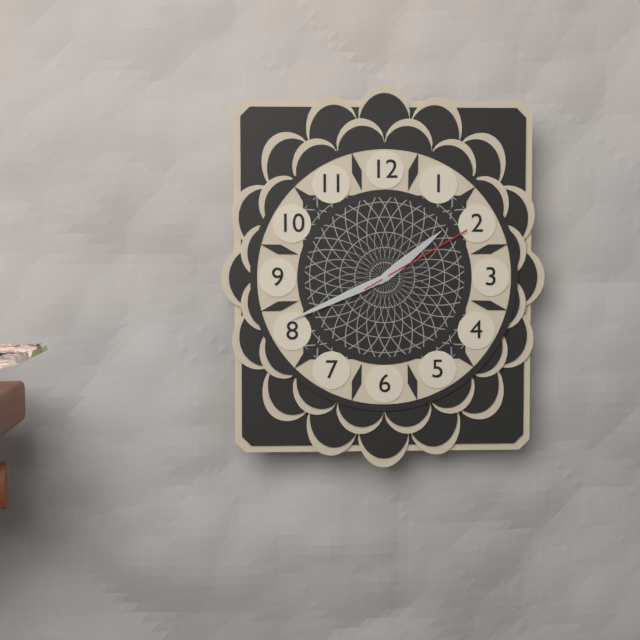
1:41:10
